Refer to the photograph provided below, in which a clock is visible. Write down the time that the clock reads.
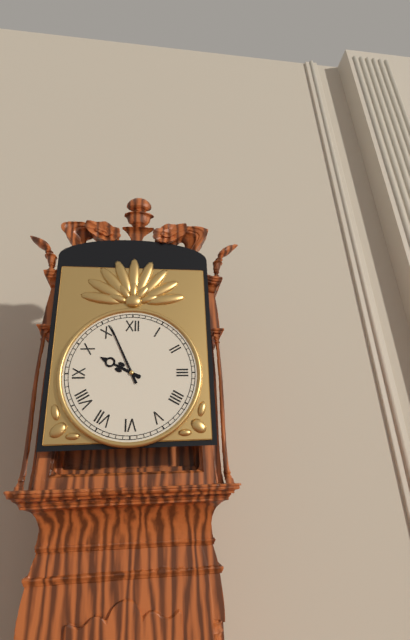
9:56
